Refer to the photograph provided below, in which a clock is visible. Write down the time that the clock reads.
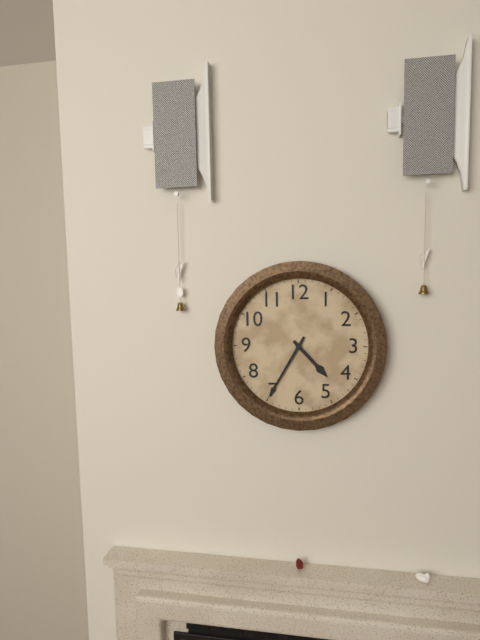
4:35
